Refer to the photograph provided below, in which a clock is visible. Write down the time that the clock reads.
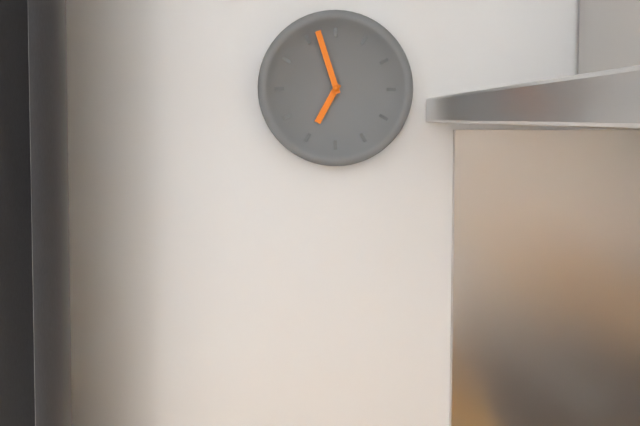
6:57
